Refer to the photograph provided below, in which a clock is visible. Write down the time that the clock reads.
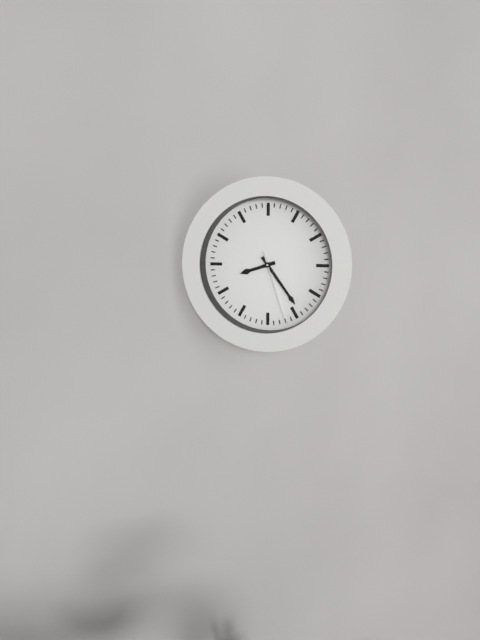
8:24:27
